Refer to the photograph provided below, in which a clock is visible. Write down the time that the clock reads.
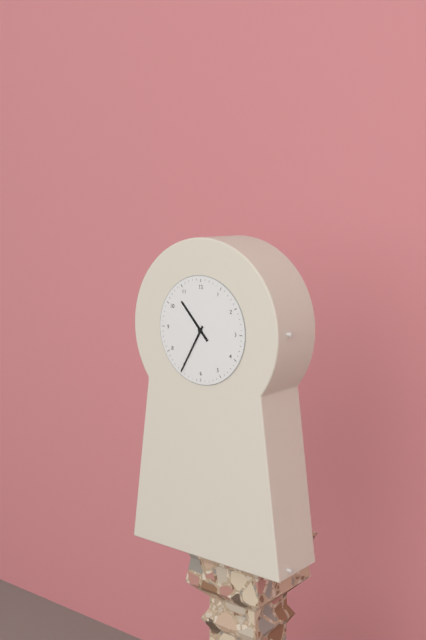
10:35
